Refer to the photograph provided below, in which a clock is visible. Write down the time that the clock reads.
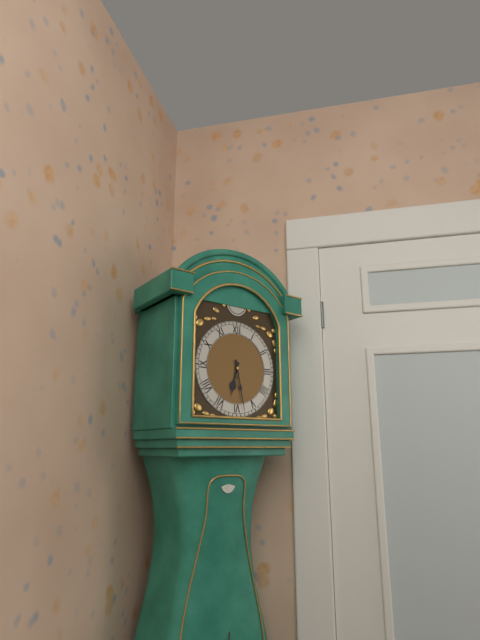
6:28
